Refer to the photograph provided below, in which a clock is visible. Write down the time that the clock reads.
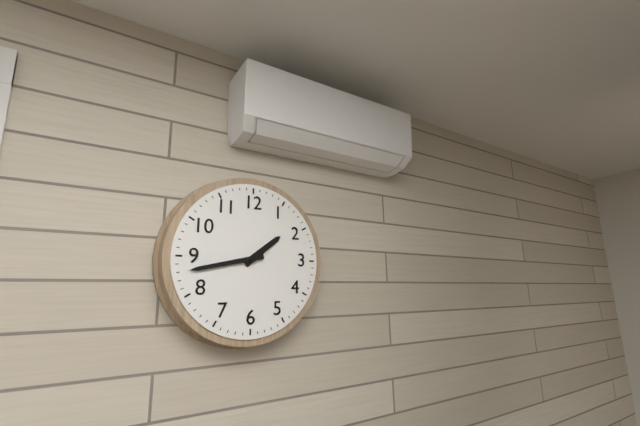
1:43
